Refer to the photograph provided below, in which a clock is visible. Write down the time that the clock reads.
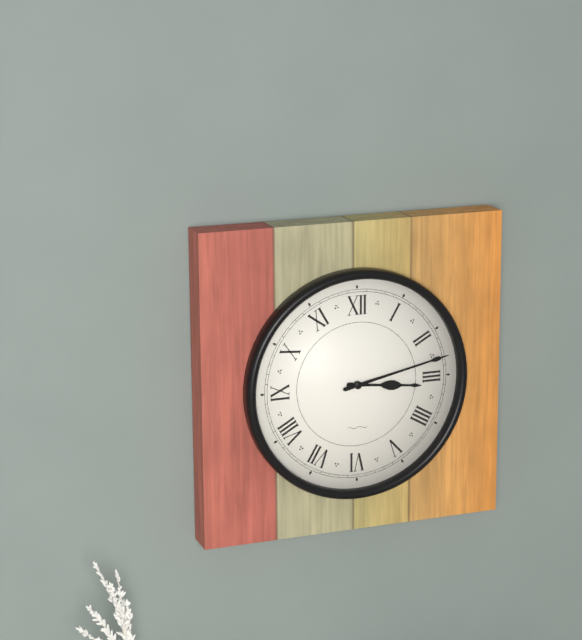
3:13
